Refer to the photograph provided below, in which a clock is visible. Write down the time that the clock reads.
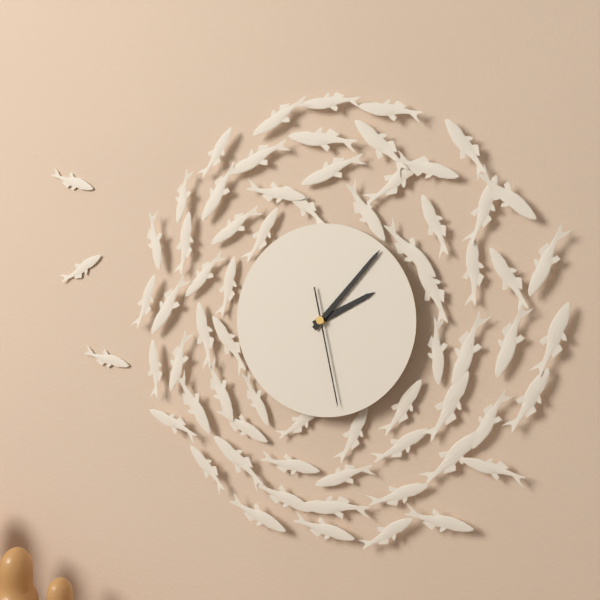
2:07:28
